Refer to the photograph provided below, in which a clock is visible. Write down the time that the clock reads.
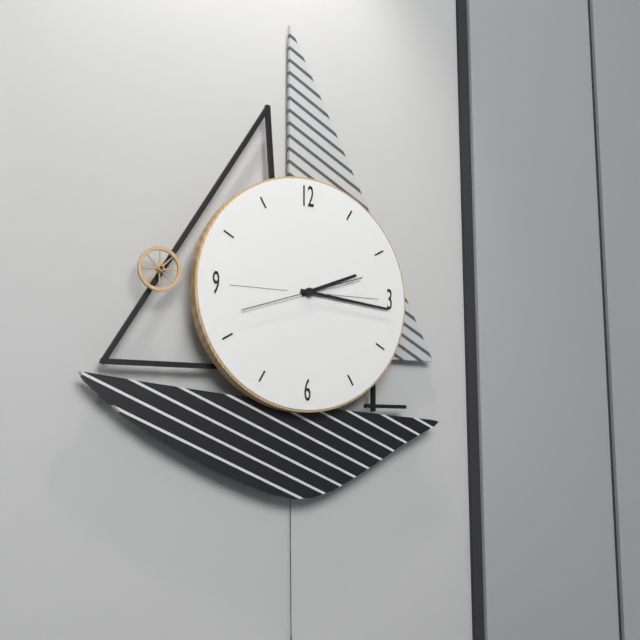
2:16:42
